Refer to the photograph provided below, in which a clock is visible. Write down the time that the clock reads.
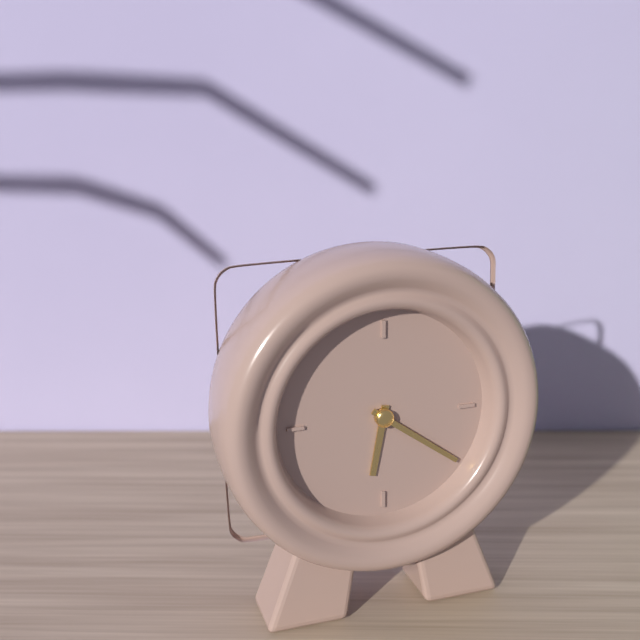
6:21
